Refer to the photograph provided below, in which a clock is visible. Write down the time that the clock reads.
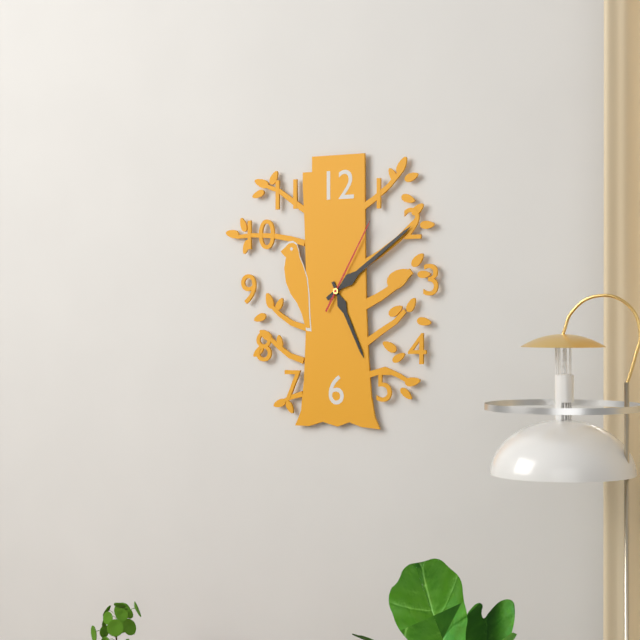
5:09:05
